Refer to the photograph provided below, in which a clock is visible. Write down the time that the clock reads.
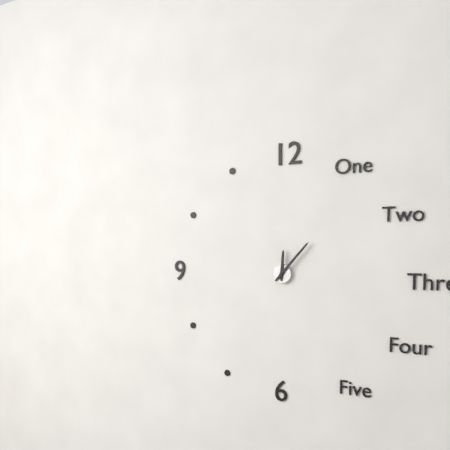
12:07
